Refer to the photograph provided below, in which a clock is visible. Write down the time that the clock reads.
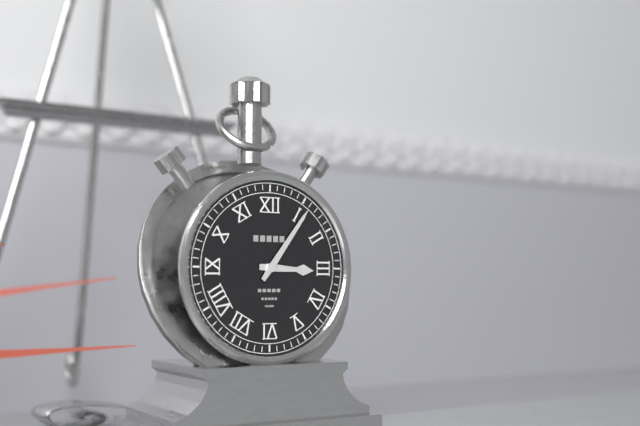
3:06
